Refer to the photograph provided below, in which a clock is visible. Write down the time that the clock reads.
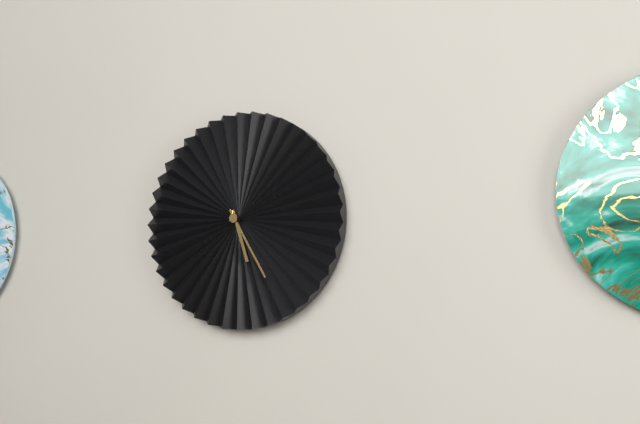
5:25
